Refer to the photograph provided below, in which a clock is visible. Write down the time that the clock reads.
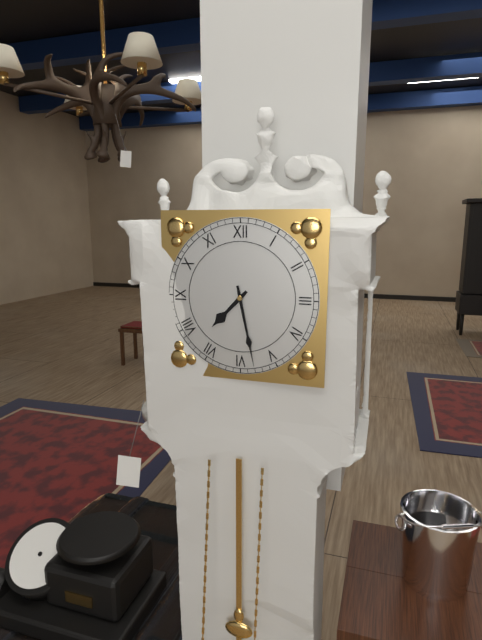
7:28
